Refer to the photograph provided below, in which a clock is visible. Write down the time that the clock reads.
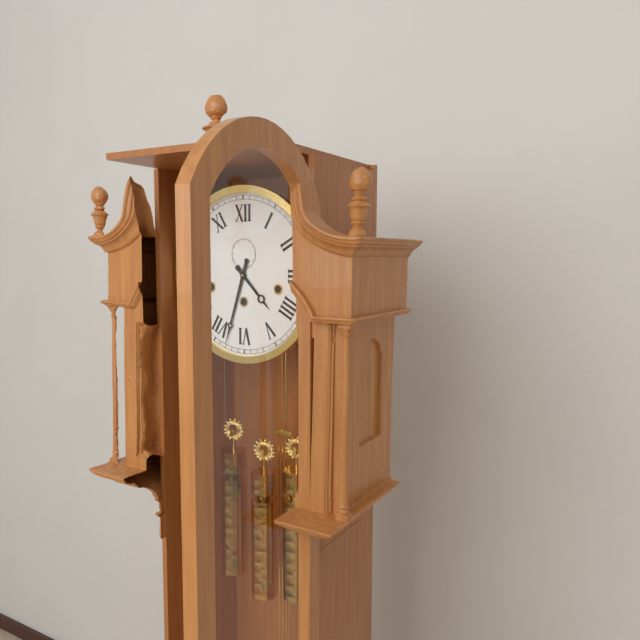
4:33
